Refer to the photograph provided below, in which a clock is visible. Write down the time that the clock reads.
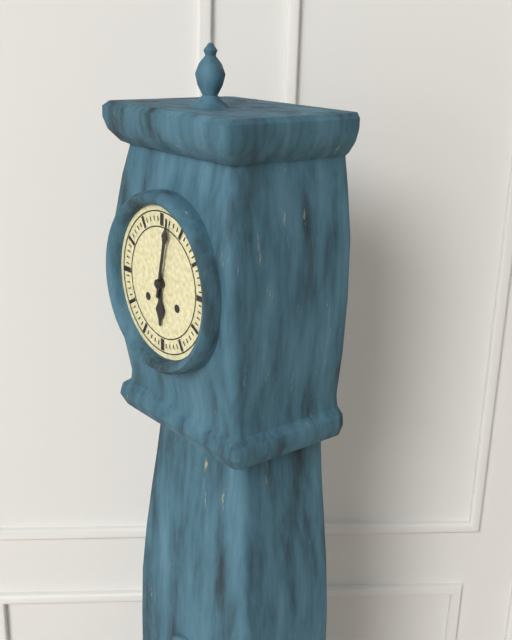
6:02
